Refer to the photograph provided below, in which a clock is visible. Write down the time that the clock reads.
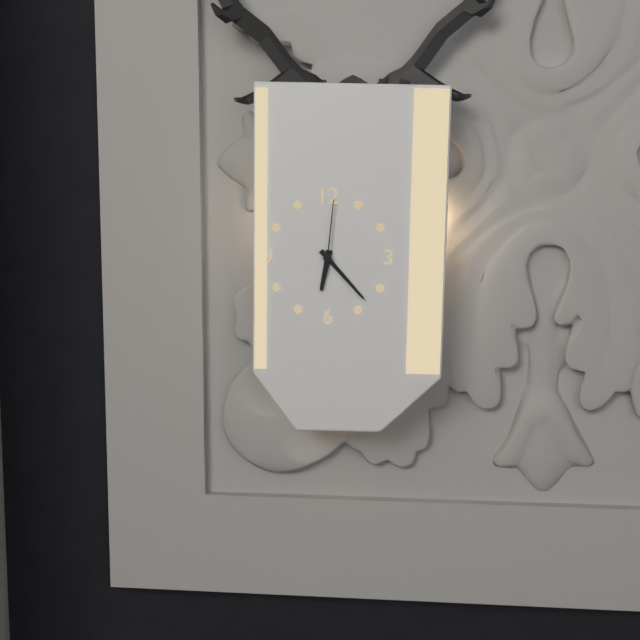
6:23:01
